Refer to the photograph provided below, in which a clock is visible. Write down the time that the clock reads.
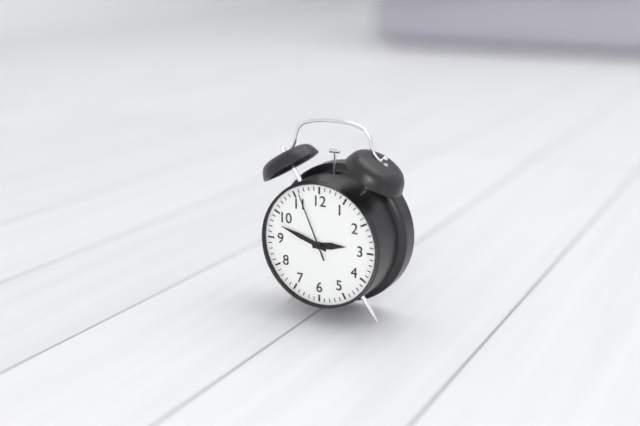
2:48:56
